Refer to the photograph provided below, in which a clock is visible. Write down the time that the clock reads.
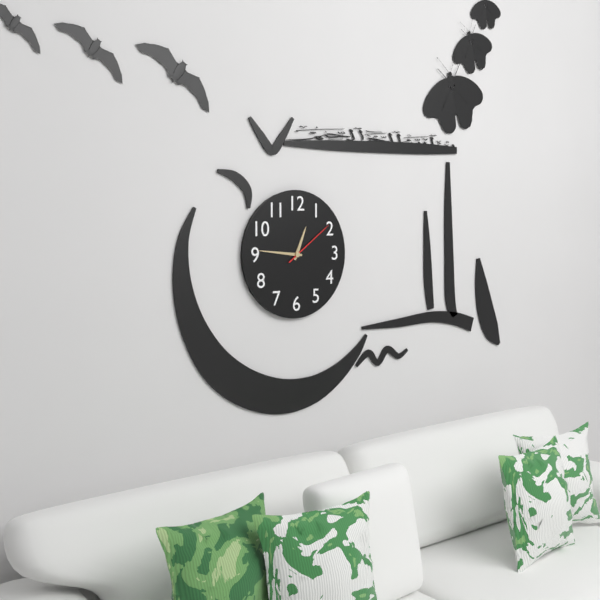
12:46:09
